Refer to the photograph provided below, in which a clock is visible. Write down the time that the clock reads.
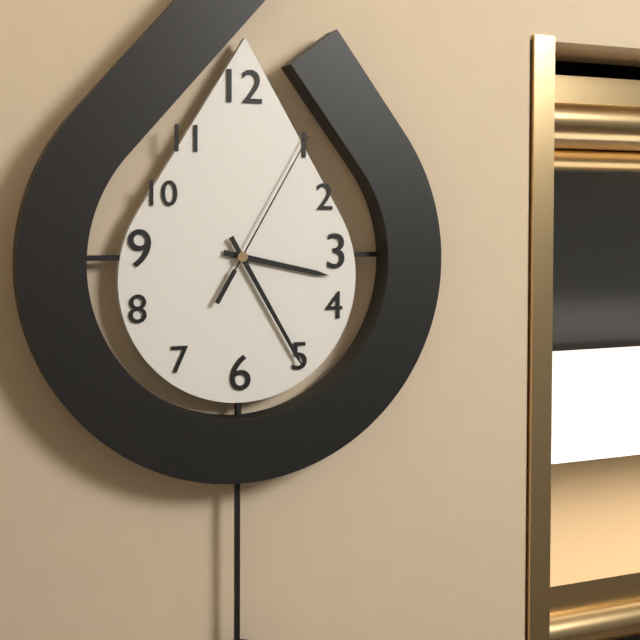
3:25:05
